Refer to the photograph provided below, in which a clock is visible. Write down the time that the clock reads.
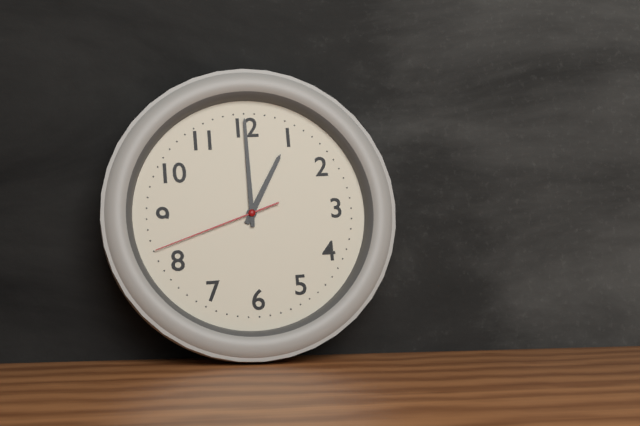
1:00:42
